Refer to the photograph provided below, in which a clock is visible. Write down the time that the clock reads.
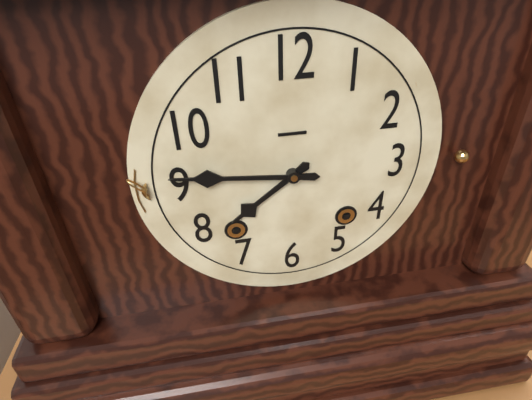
7:46
